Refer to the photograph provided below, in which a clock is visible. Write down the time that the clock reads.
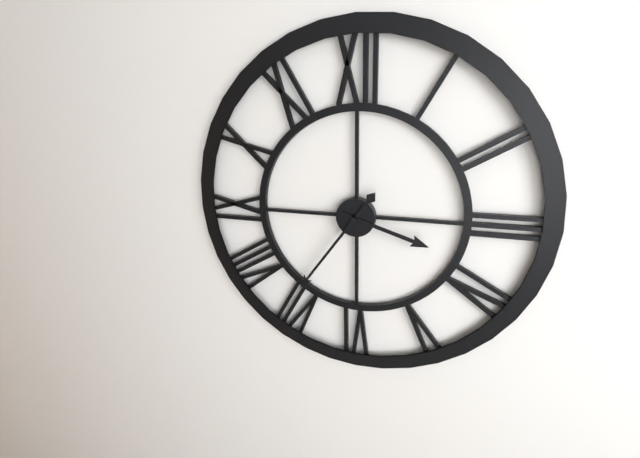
3:36
